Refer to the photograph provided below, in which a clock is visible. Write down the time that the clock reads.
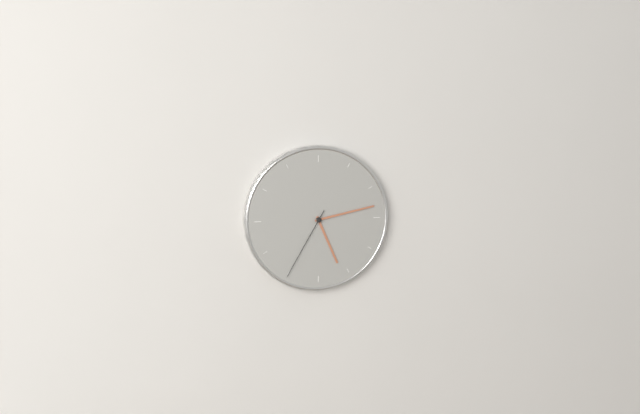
5:13:35
